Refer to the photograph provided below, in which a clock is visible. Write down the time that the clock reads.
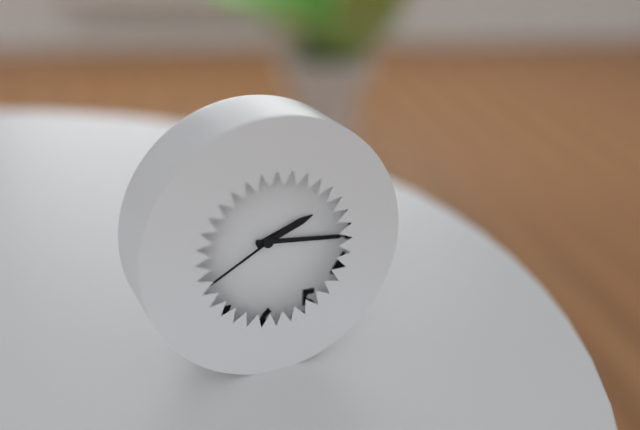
2:16:40
